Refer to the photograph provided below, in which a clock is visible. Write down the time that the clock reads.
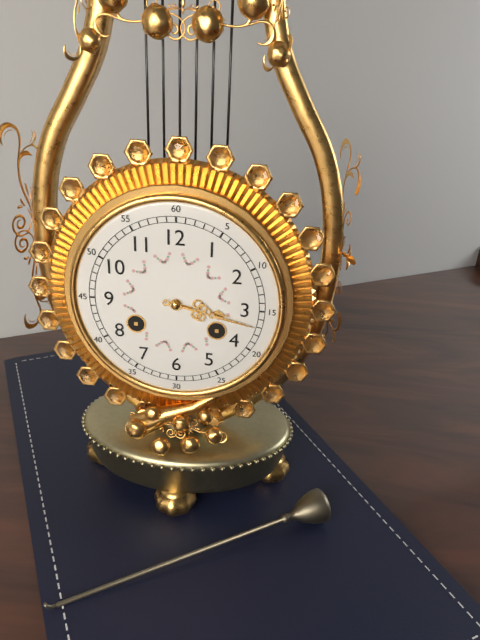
3:17
